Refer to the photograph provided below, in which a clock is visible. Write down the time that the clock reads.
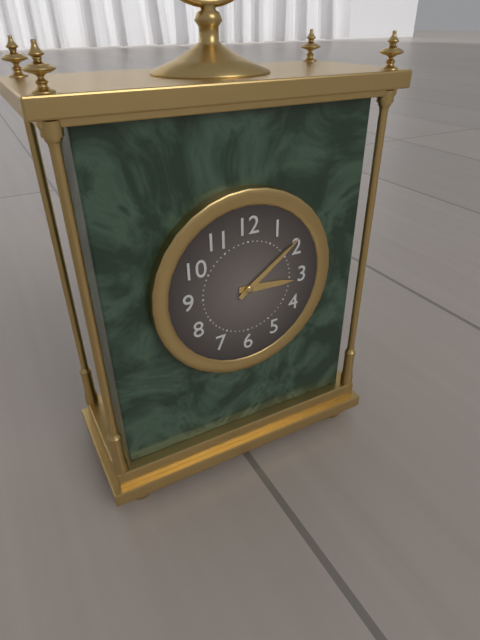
3:09
